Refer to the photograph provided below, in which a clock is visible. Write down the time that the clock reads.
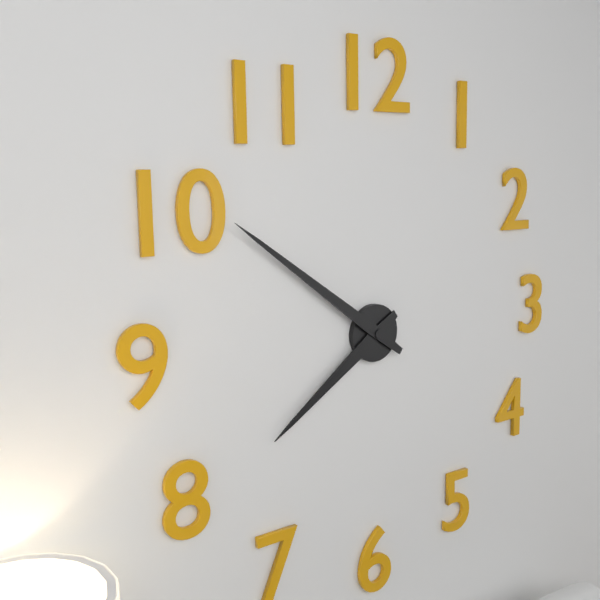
7:51
